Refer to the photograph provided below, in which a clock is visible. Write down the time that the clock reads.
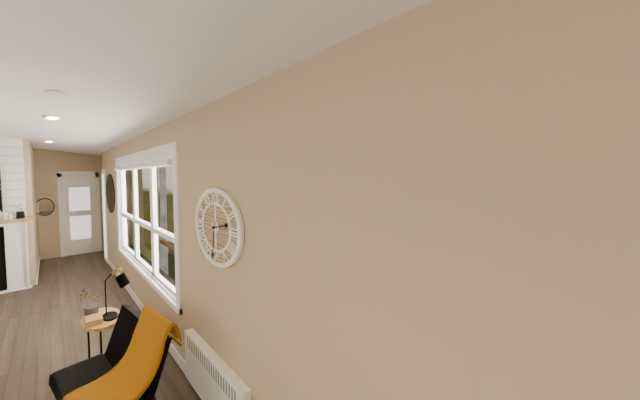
2:31
